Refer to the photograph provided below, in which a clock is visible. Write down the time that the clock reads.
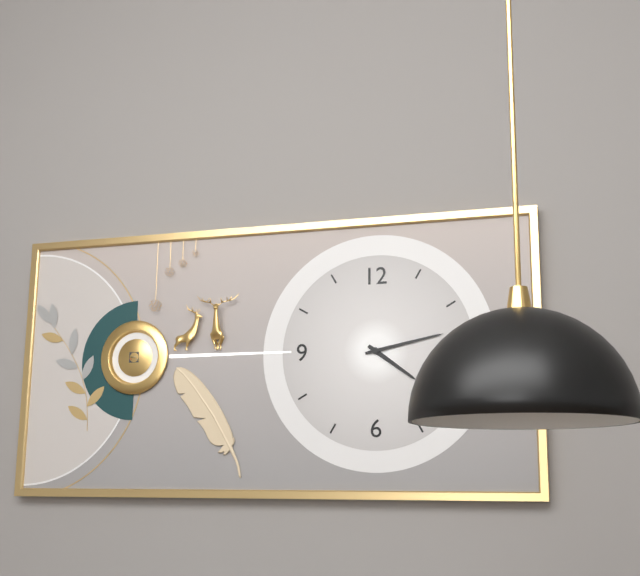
4:13
